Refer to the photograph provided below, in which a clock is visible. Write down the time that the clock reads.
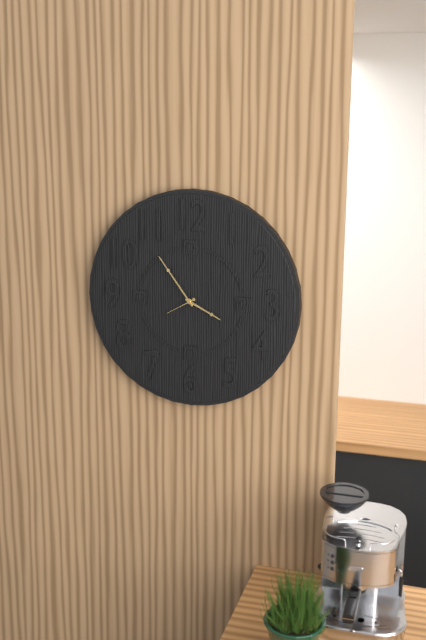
3:54
